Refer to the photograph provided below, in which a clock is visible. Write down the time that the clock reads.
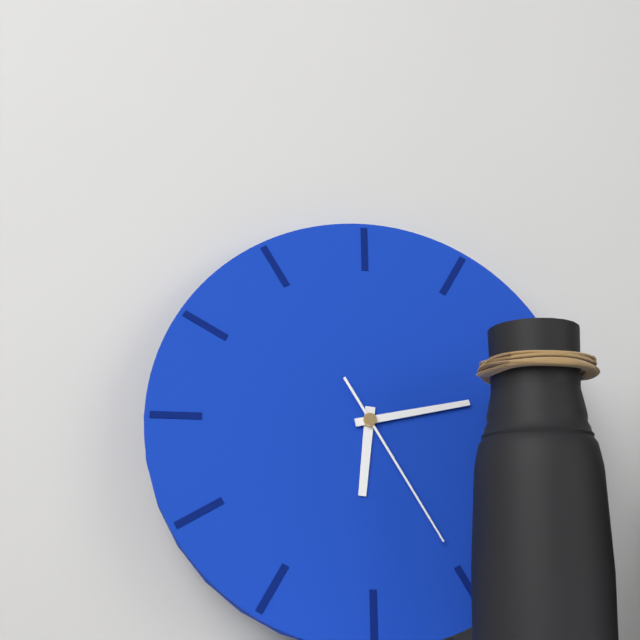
6:13:25
